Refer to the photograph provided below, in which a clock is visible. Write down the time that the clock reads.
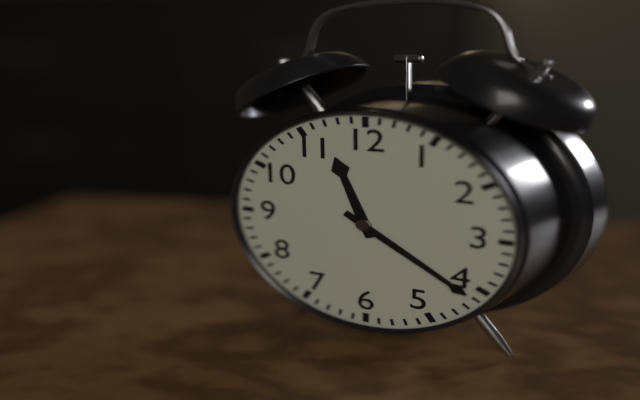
11:21
